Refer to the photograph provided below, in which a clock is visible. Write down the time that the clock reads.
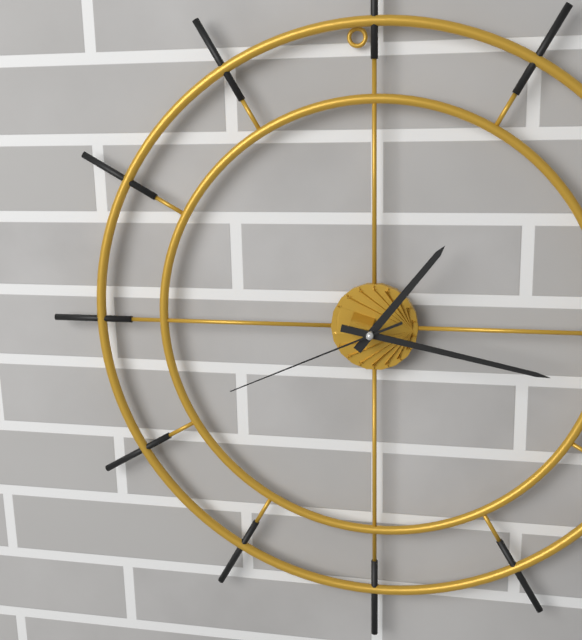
1:17:41
